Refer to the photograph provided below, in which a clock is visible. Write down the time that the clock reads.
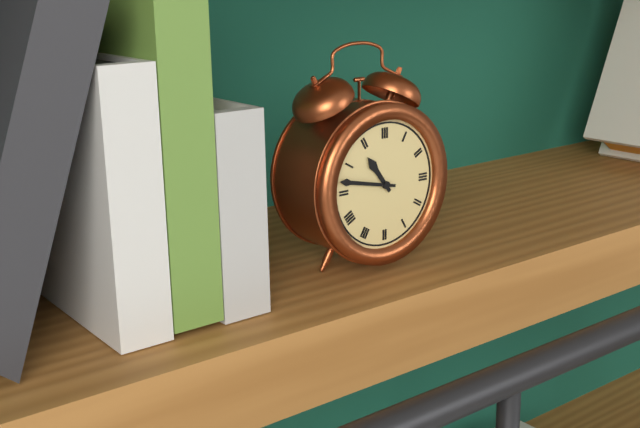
10:47
